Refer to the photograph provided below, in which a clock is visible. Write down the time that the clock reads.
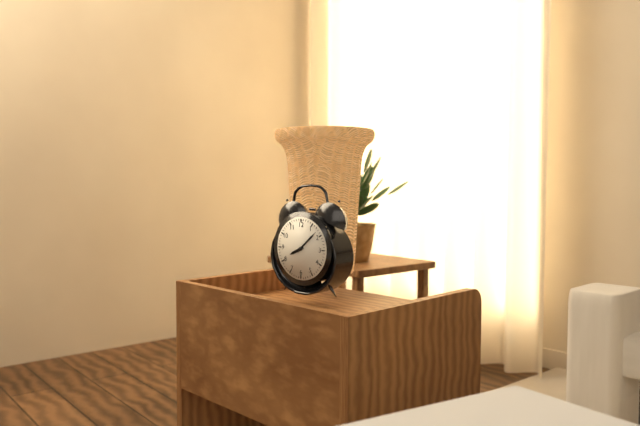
8:08
